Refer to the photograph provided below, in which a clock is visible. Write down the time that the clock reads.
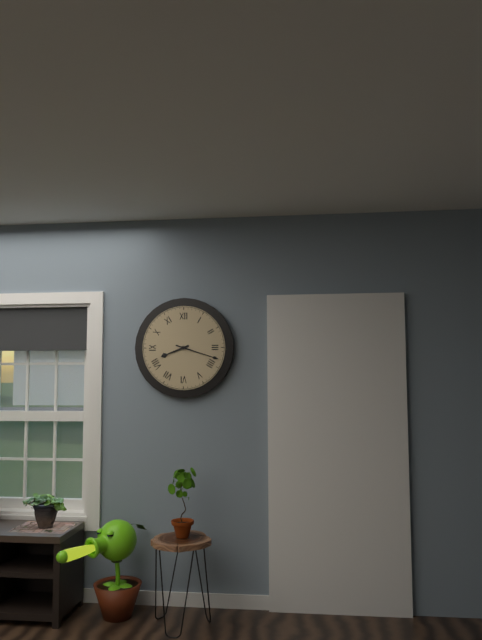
8:18
